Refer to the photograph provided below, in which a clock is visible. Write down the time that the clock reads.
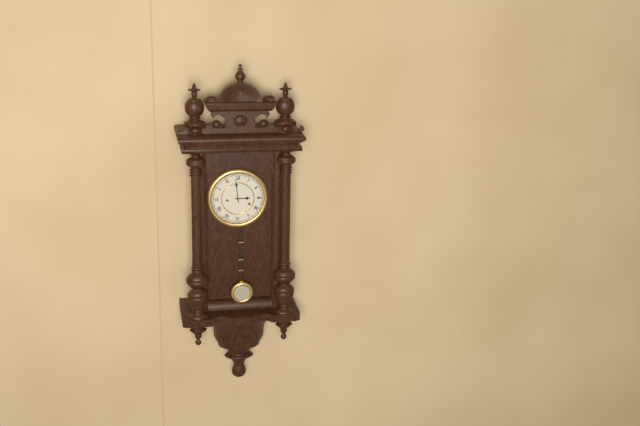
2:59
